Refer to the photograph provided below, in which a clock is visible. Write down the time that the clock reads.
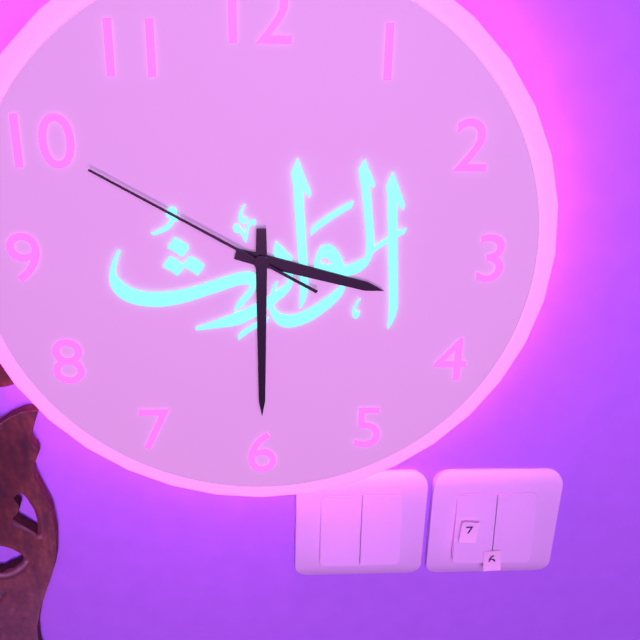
3:30:50
